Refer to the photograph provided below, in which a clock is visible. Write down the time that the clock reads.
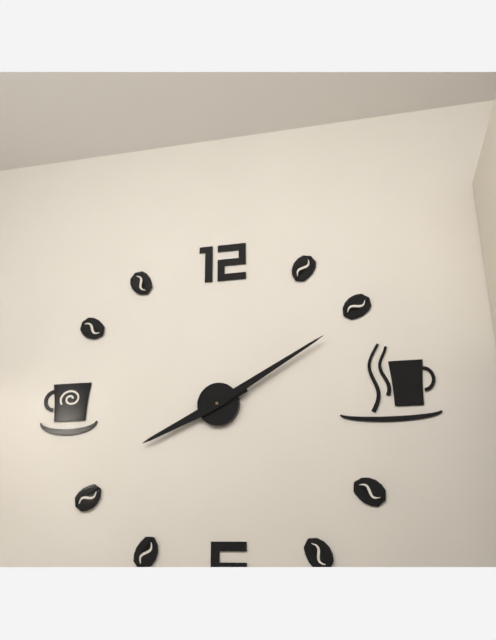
8:10
